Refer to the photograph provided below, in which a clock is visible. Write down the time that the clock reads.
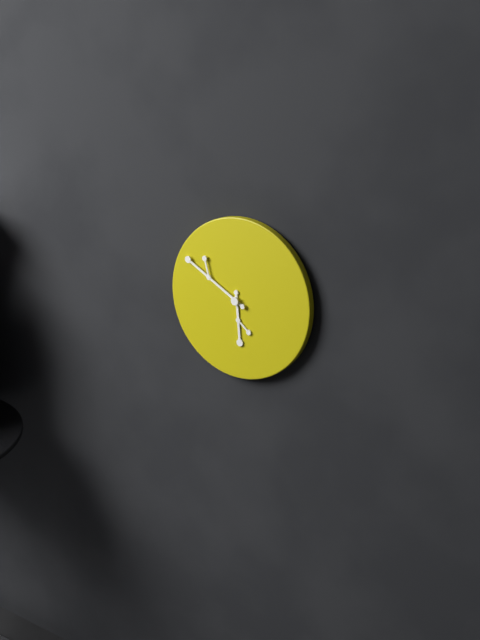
5:50
